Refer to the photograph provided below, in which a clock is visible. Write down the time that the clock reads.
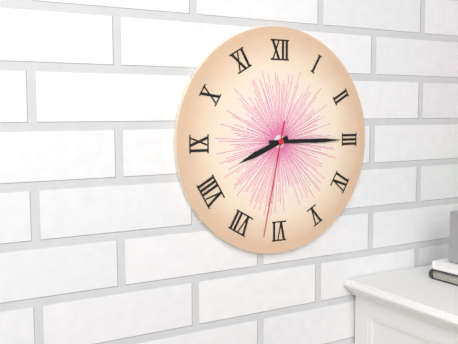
8:15:32
